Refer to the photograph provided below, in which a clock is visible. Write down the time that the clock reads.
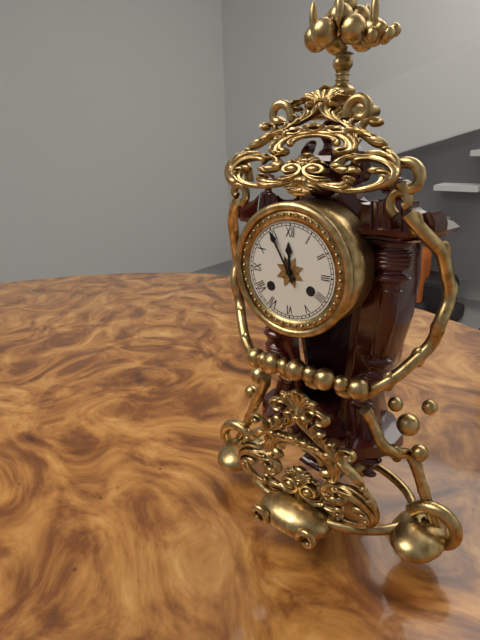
11:55
